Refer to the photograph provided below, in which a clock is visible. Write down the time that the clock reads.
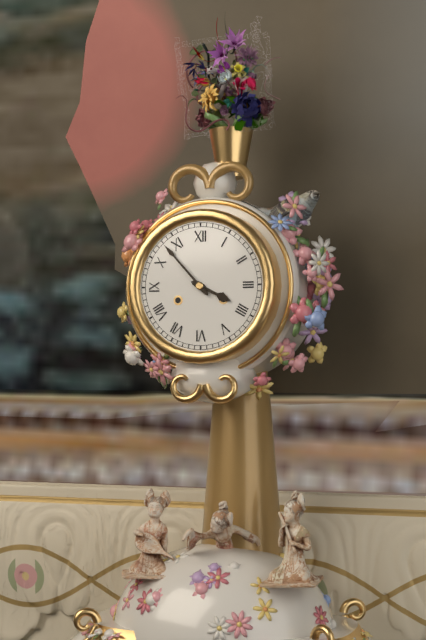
3:53
